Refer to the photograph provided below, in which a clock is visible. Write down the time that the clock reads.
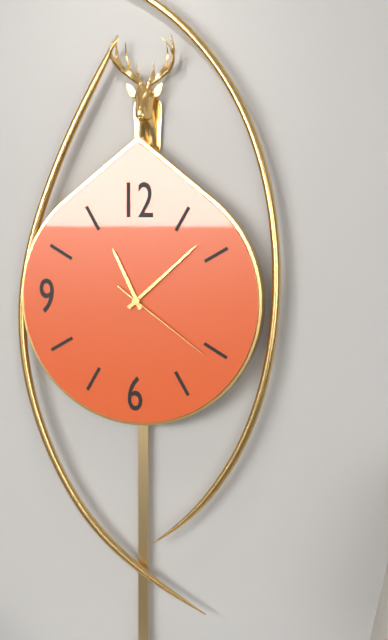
11:08:21
